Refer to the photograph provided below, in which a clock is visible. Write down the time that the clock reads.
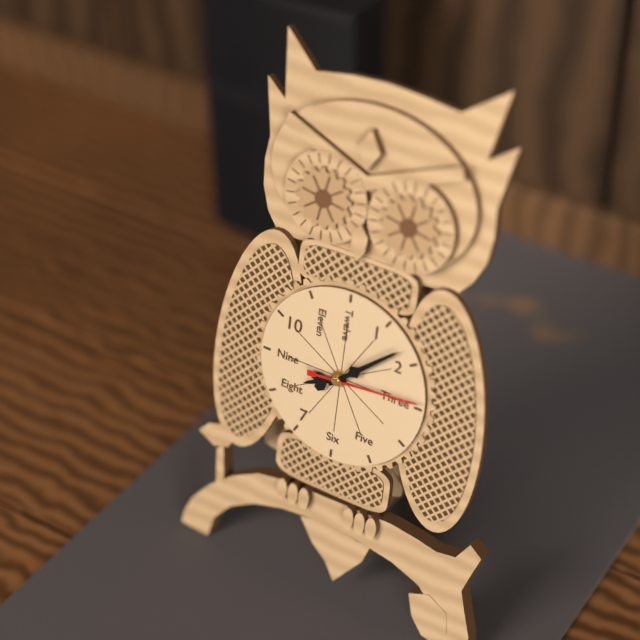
8:08:14
